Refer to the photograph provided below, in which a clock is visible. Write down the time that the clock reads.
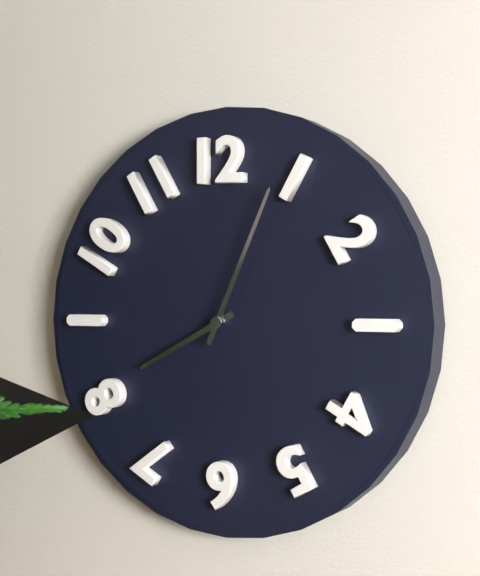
8:04
